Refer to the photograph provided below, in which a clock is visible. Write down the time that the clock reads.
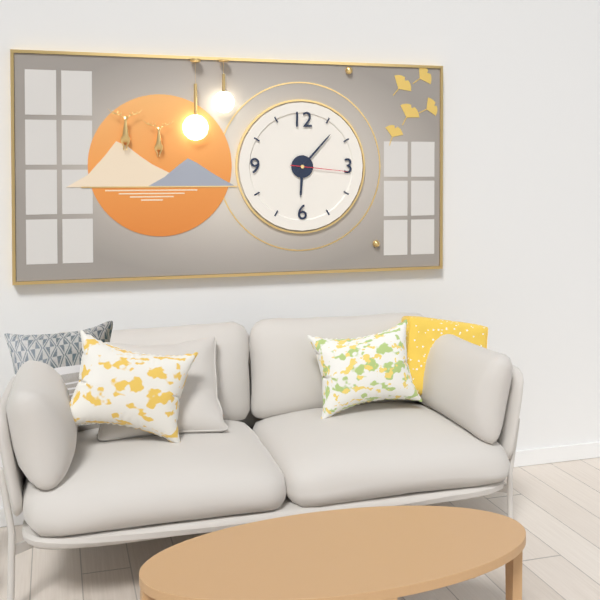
6:07:16
